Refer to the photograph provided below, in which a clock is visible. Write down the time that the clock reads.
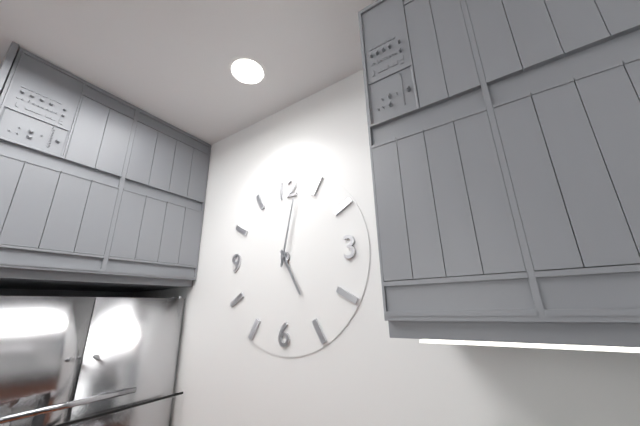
5:02
